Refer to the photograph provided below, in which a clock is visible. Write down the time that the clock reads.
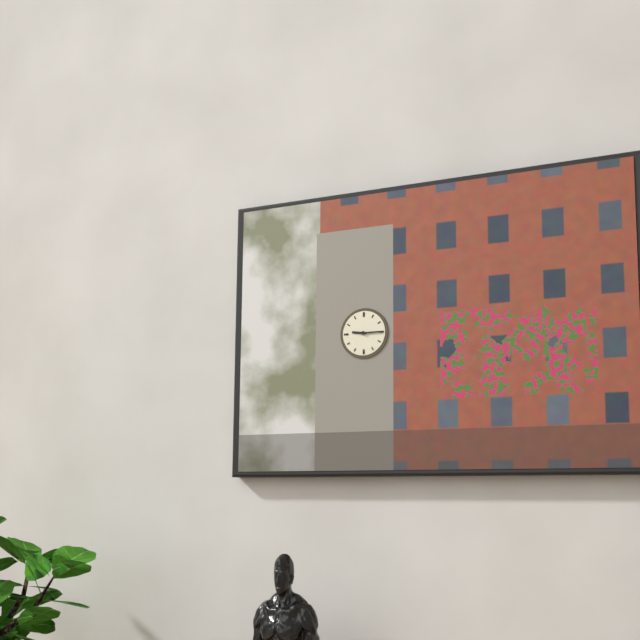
9:15
